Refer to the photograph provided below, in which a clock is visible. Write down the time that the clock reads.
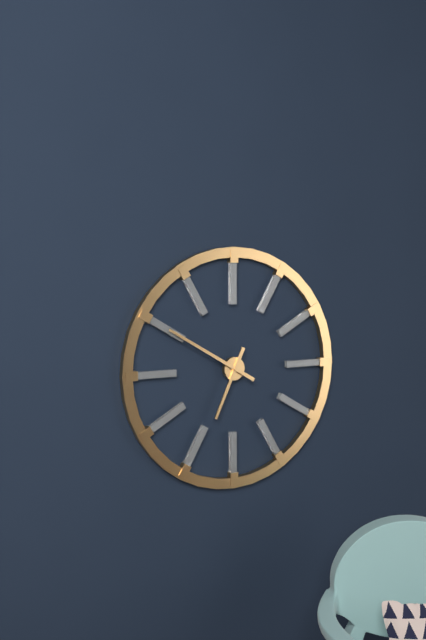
6:50
